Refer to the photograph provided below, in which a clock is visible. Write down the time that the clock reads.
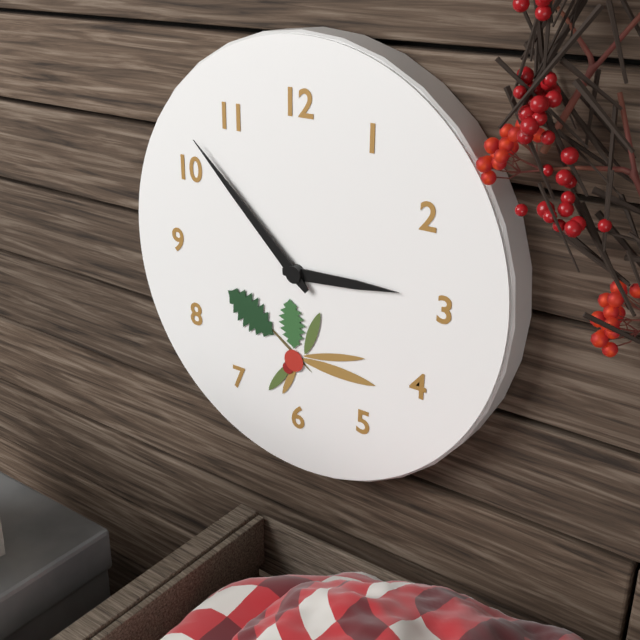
2:52
